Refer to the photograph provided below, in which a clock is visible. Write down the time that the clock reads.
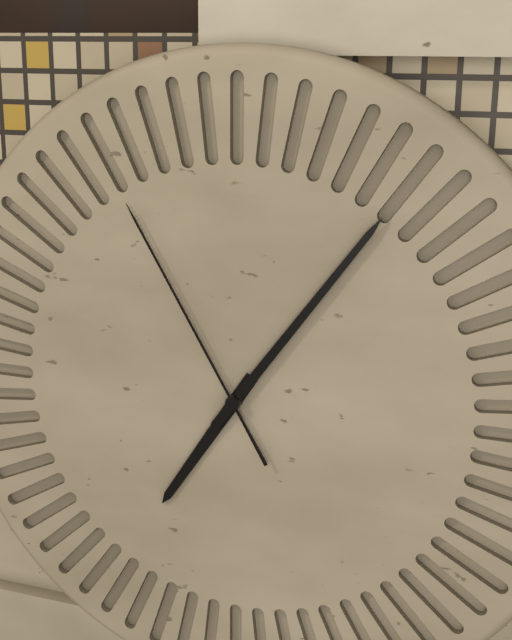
7:06:55
